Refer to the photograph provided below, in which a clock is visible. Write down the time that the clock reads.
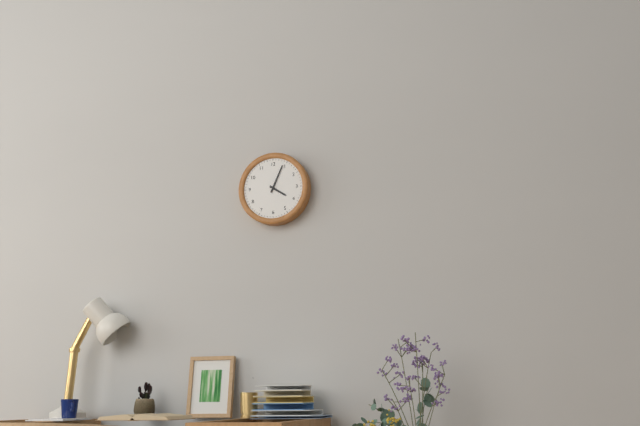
4:04
